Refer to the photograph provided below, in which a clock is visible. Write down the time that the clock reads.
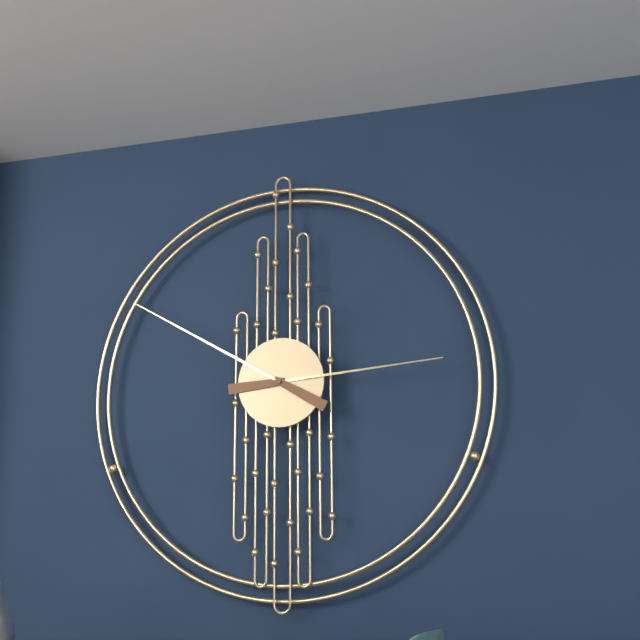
2:50
